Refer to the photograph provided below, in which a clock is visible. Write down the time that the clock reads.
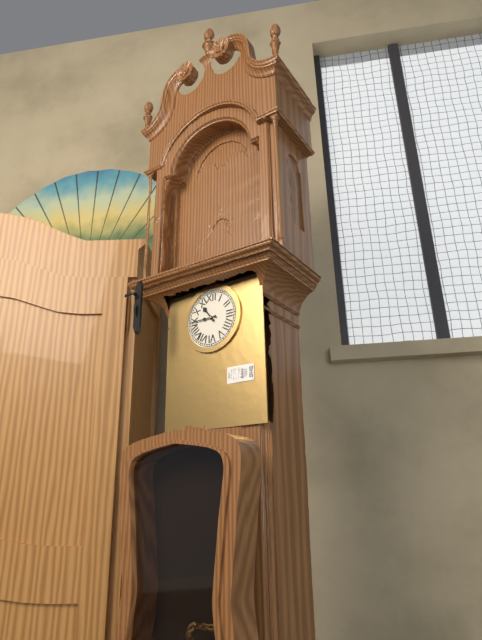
10:45
